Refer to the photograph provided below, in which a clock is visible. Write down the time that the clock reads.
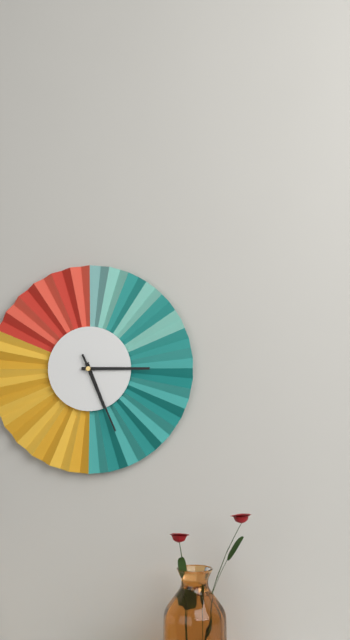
5:15:26
